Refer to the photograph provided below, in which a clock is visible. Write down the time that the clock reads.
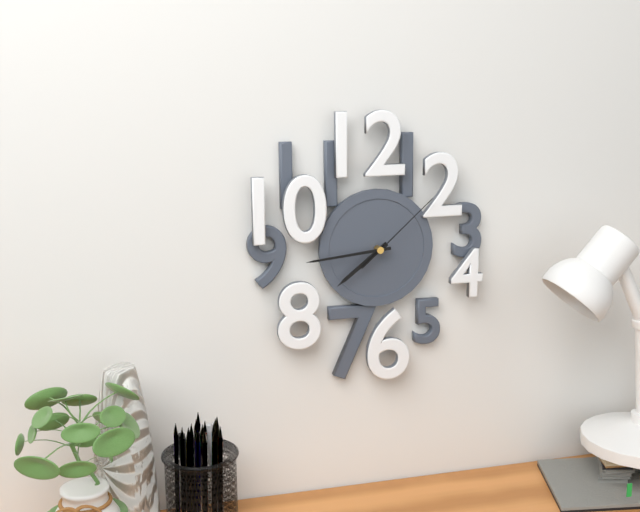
7:44:08
